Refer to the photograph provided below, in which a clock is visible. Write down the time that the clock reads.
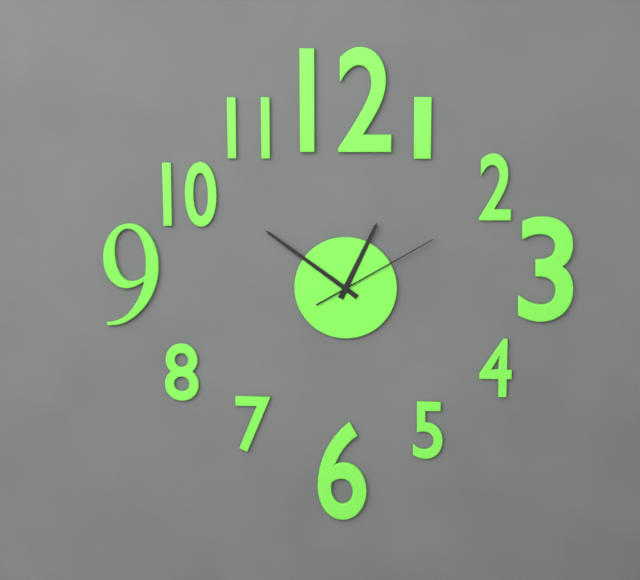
12:51:10
